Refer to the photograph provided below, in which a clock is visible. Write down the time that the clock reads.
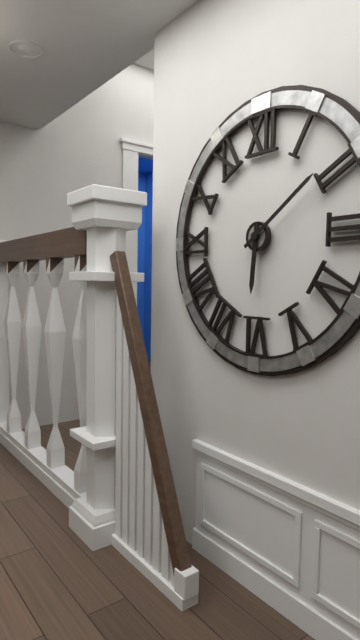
6:09
